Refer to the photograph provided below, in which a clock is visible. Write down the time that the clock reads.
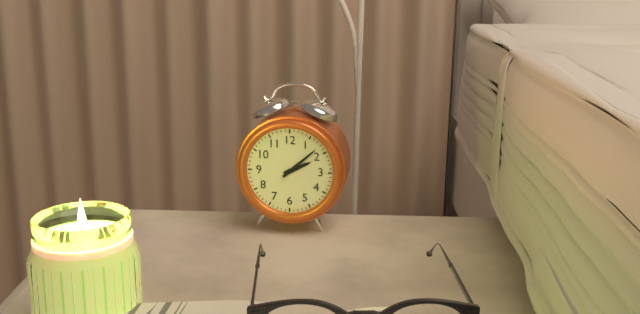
2:08
